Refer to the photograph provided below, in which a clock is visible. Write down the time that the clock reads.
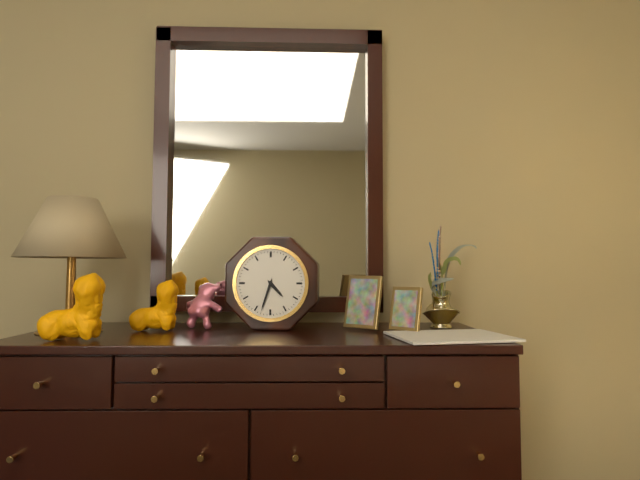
4:33
